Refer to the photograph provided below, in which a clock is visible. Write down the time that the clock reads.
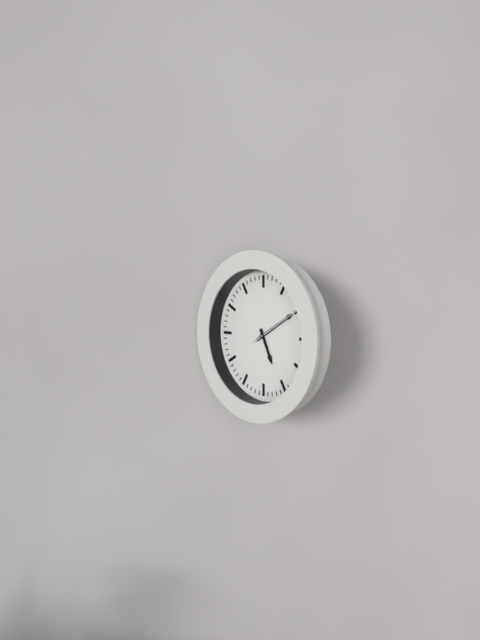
5:10:10
